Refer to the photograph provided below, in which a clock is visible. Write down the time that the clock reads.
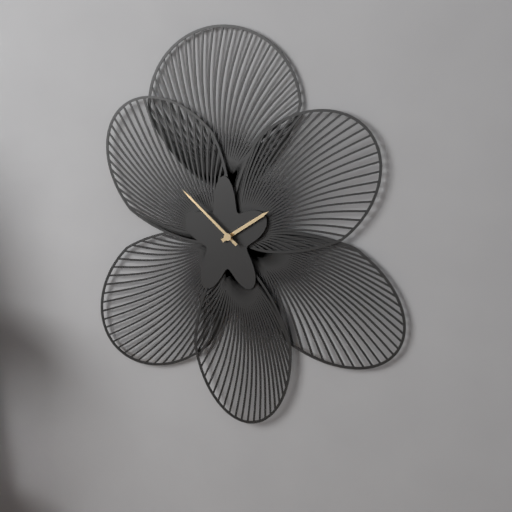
1:52
